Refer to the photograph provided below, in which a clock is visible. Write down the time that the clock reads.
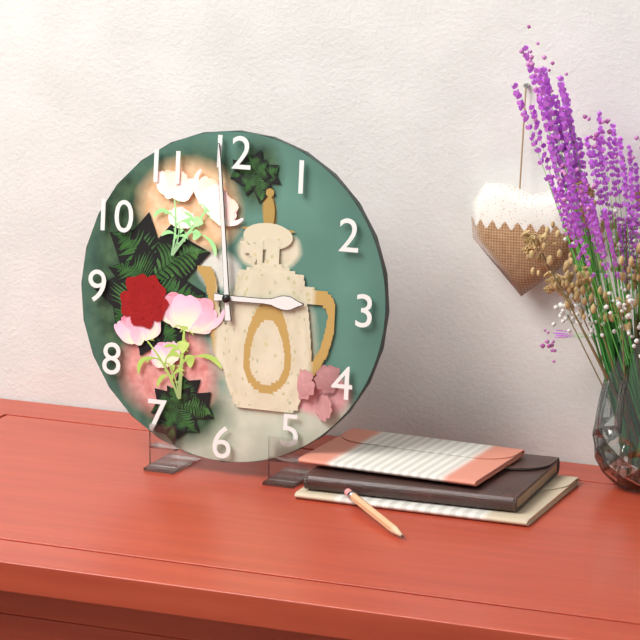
2:59
